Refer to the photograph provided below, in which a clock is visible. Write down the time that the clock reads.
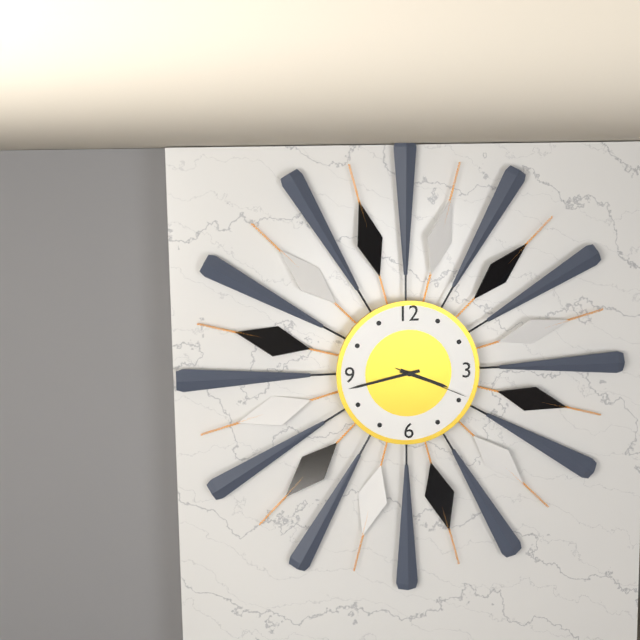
3:43:19
